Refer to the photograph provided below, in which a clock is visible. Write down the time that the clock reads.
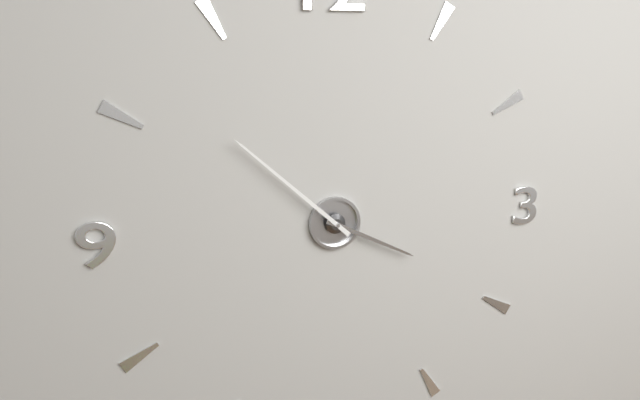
3:52
